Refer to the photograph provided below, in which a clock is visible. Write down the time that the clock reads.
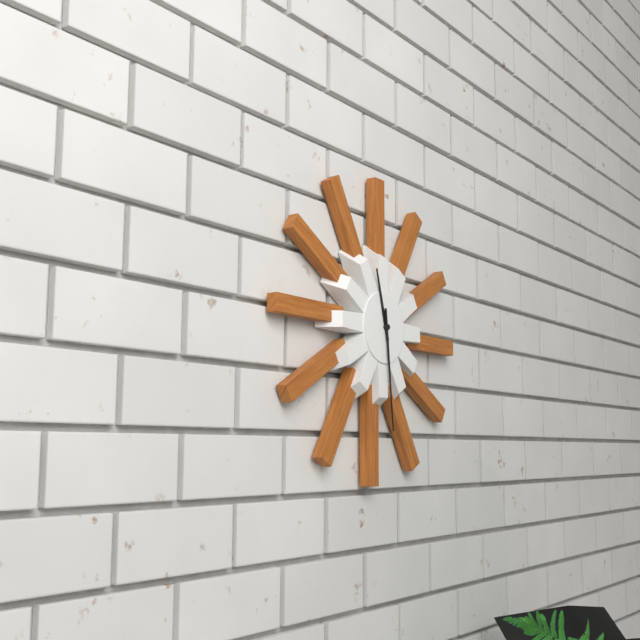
11:29
